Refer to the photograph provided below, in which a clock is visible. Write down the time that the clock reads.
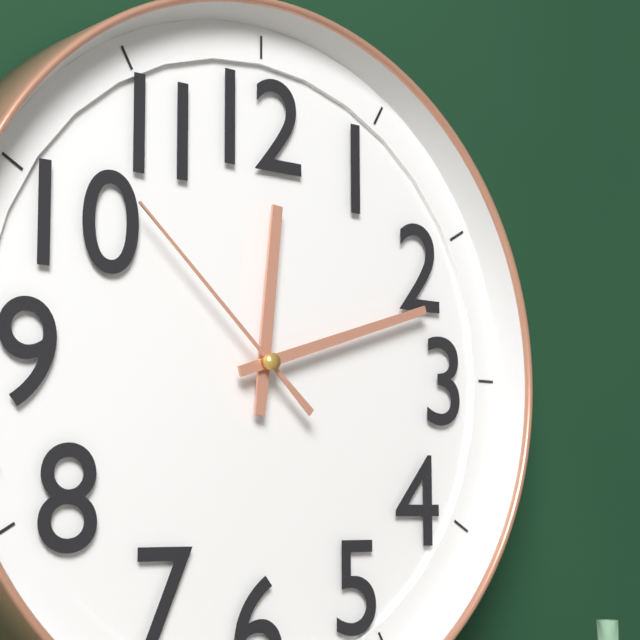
12:12:52
